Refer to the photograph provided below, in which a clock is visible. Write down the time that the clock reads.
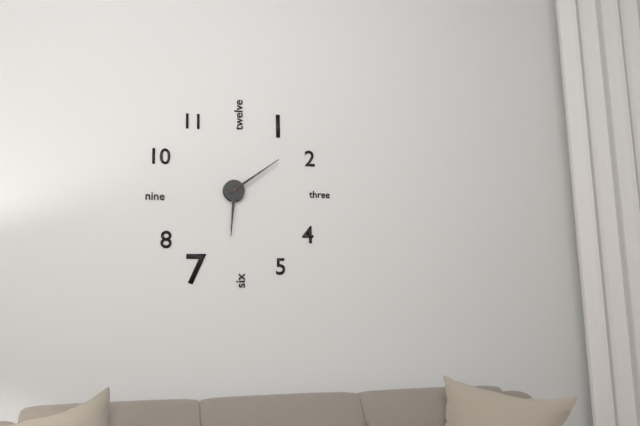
6:09
